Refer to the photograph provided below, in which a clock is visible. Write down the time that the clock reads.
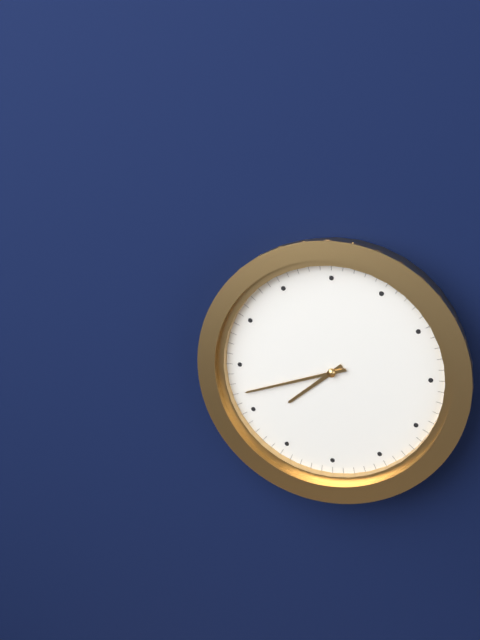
7:42
